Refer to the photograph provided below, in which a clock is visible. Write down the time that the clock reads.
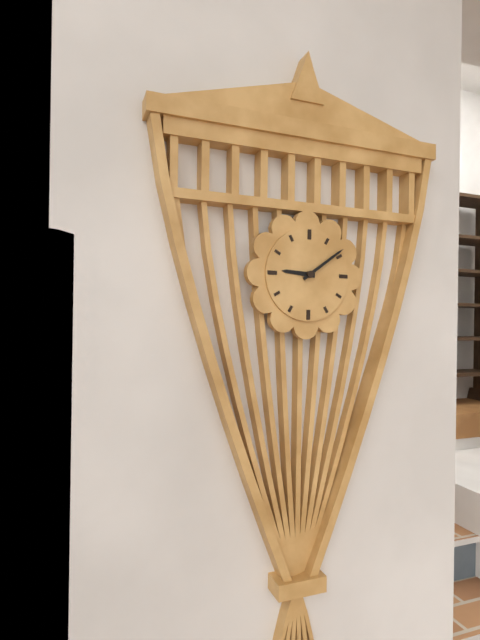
9:09
